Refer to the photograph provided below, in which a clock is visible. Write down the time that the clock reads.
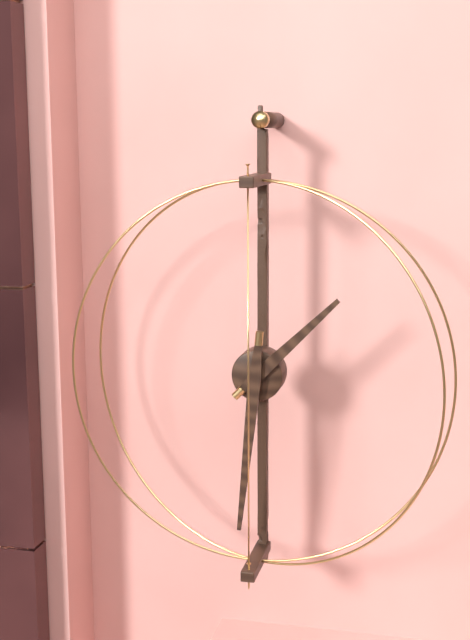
1:31
